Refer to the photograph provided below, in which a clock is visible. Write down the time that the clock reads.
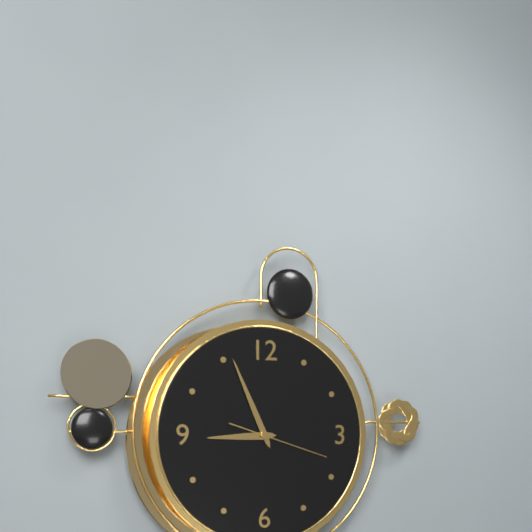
8:56:18
